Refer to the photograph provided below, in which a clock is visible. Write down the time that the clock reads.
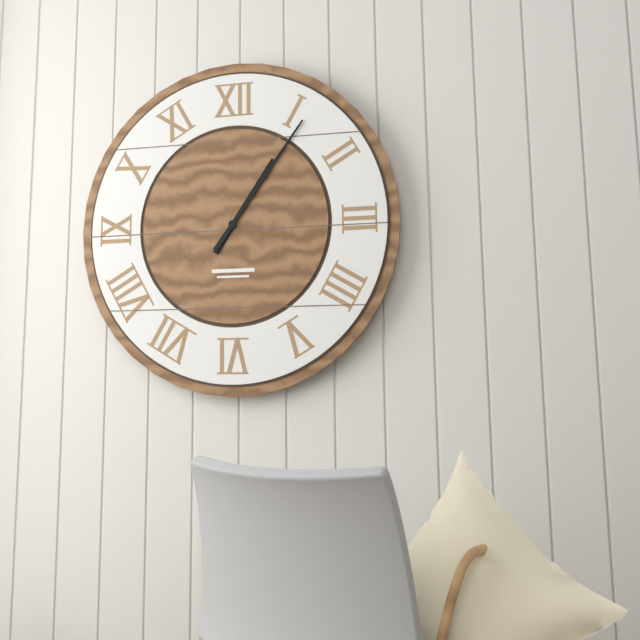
1:06
